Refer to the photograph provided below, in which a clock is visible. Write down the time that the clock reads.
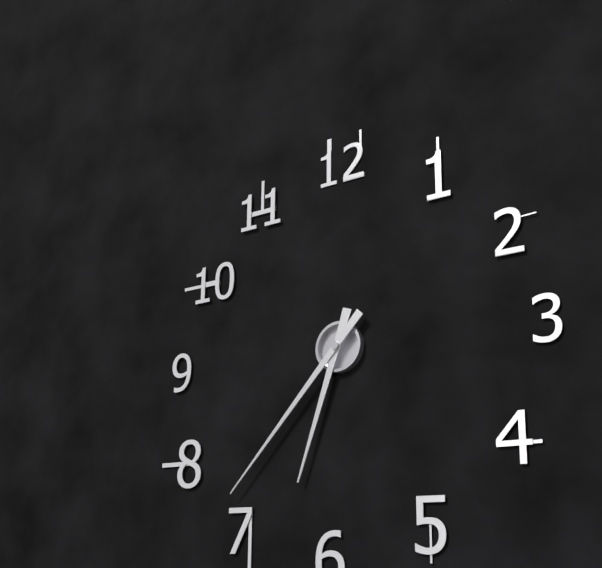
6:37
